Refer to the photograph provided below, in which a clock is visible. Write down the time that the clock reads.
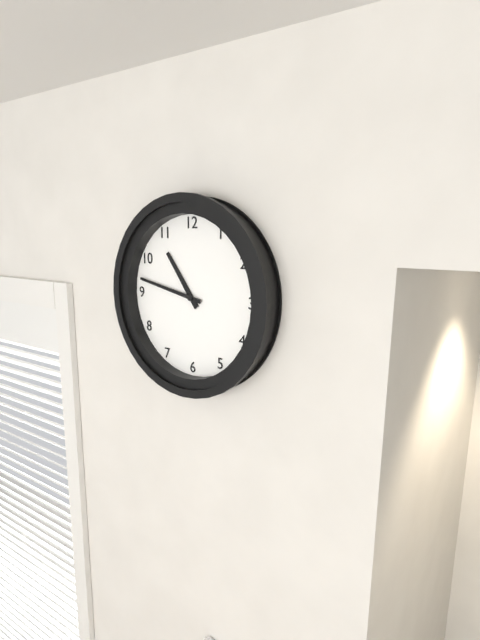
10:47
